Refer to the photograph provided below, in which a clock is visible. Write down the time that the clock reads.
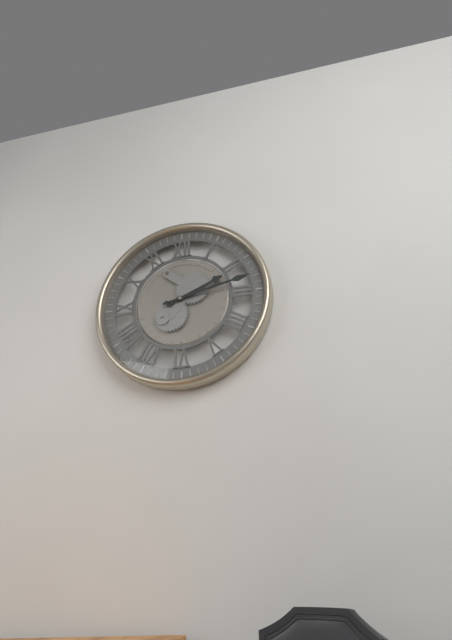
2:13
